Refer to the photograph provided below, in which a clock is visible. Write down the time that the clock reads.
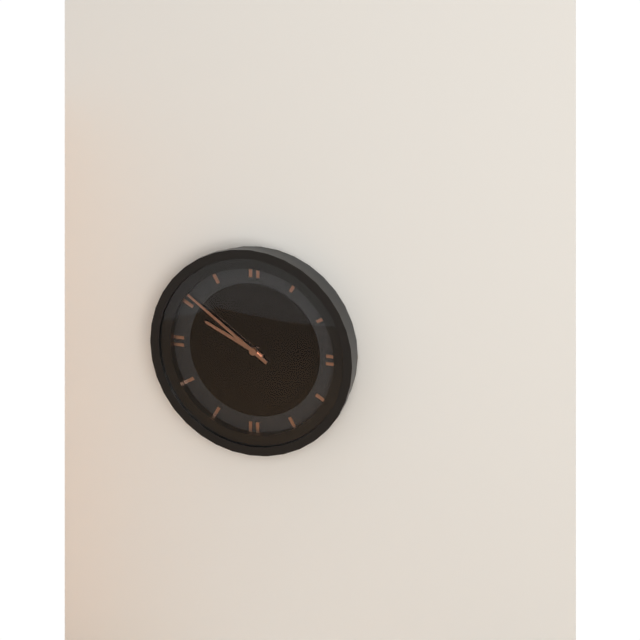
9:51
